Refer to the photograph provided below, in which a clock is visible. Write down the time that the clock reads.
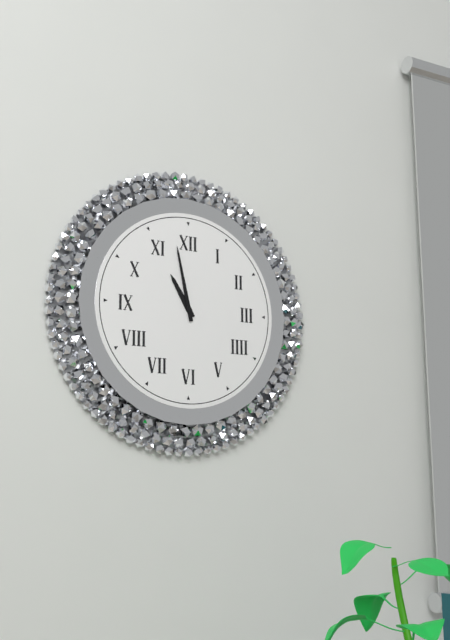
10:58
